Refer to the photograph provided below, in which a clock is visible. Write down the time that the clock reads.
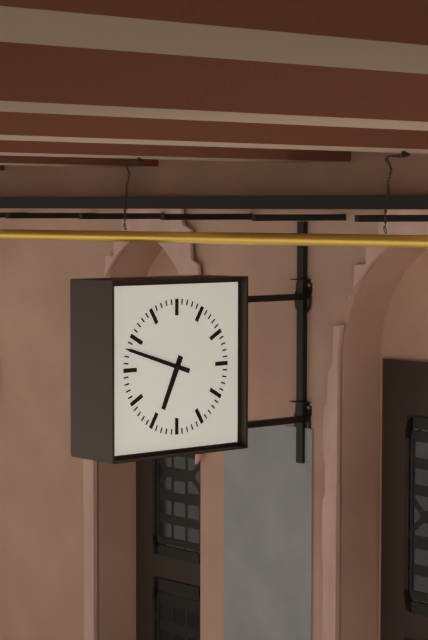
6:48
